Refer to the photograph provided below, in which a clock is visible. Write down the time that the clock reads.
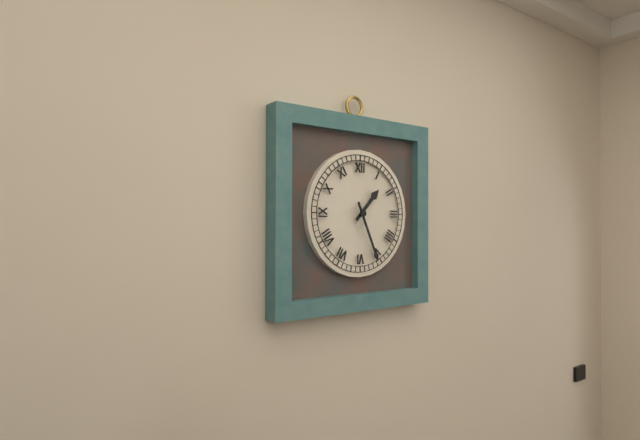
1:26
